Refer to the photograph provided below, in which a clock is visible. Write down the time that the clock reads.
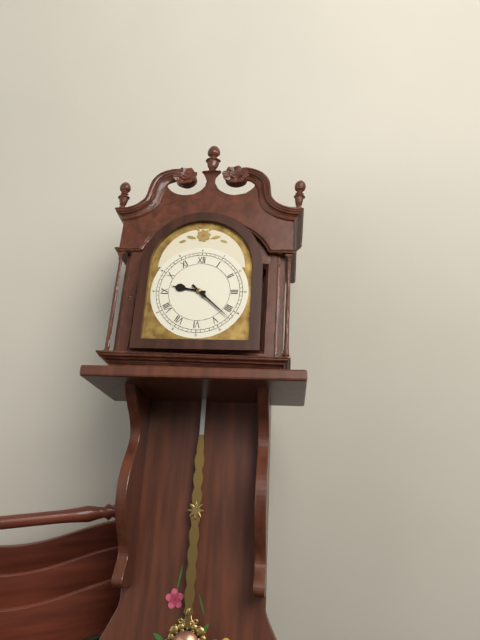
9:22
